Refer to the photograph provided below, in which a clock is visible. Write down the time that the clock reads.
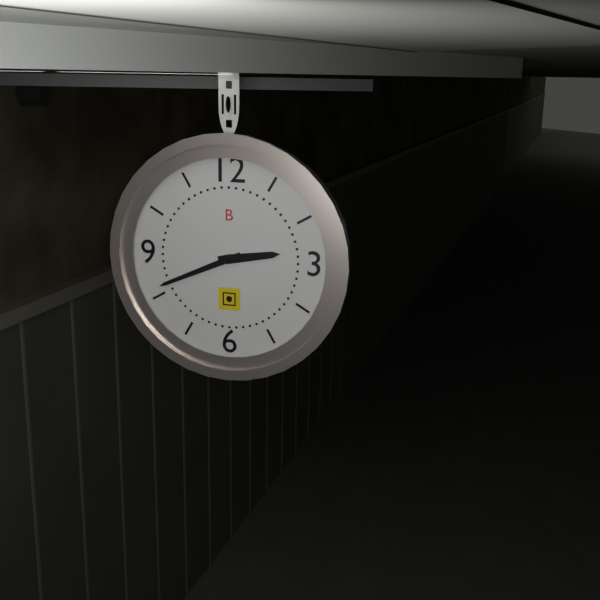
2:41
